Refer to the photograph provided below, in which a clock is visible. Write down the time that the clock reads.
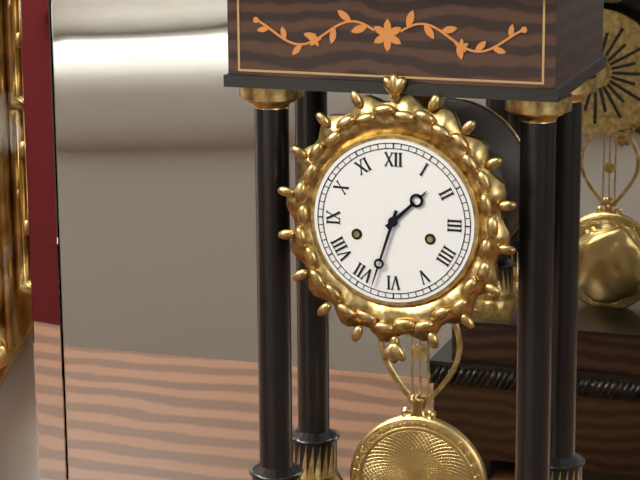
1:33
